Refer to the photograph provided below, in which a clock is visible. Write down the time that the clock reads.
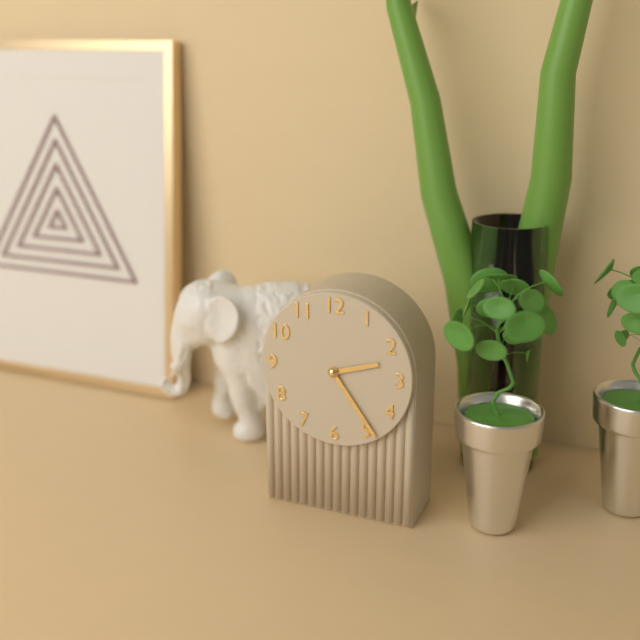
2:24
